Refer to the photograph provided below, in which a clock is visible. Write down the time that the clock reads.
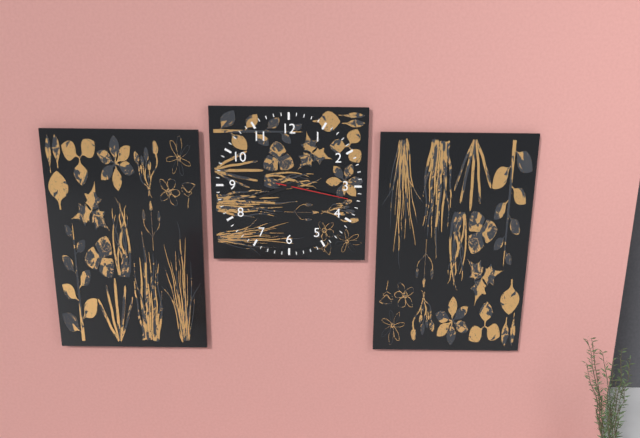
8:17:17
